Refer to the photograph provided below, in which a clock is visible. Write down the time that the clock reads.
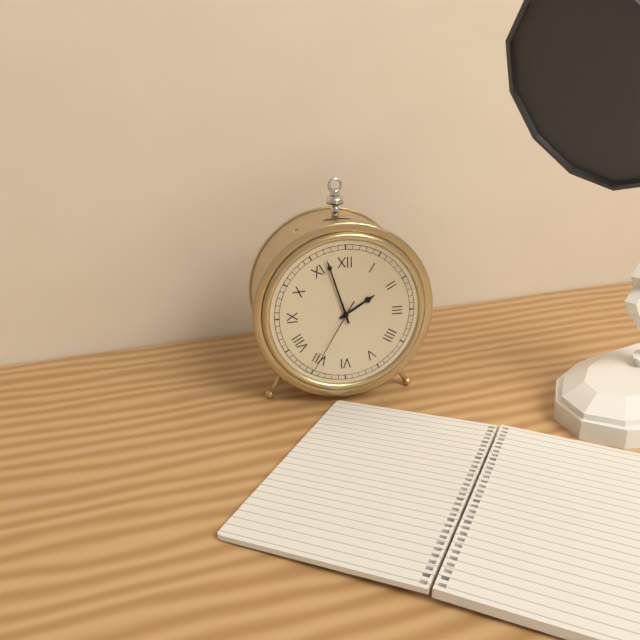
1:57:35
